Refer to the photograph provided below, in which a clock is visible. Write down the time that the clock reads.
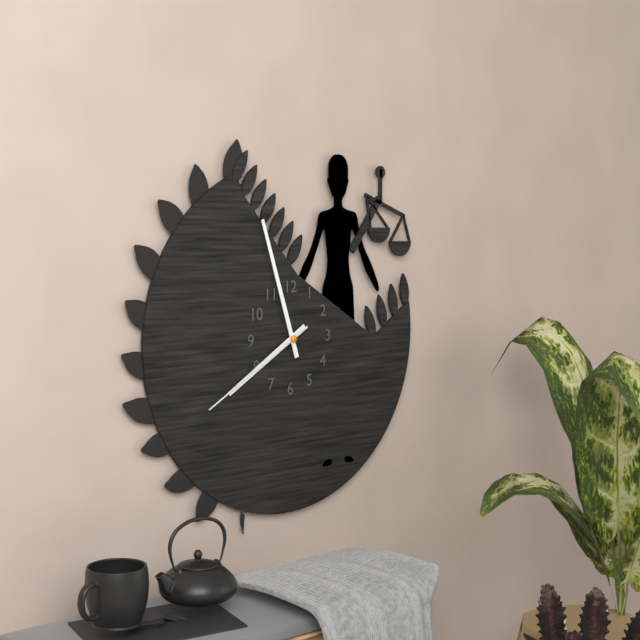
7:57:40
